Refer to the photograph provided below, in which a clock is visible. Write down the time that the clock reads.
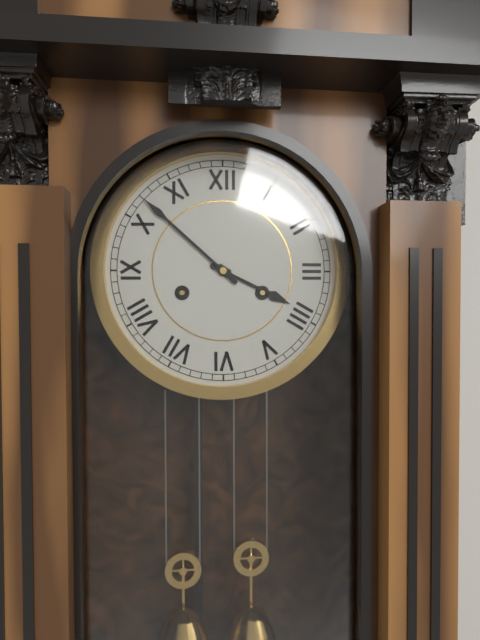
3:52
